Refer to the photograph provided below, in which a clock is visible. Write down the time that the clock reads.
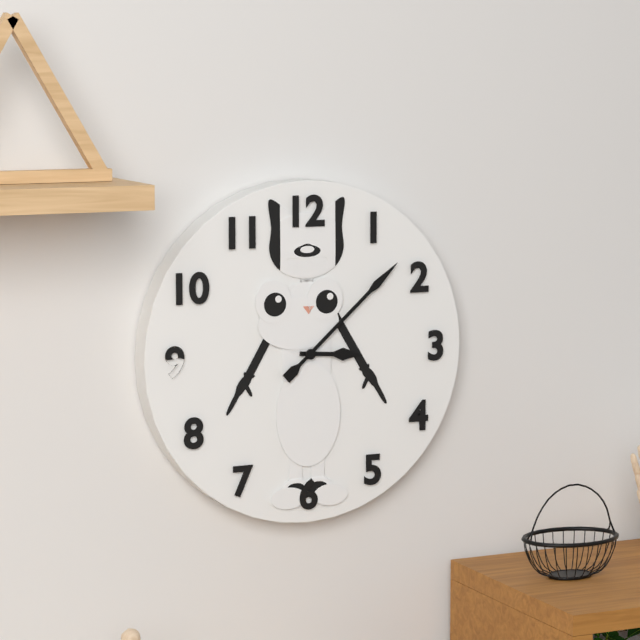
3:08
